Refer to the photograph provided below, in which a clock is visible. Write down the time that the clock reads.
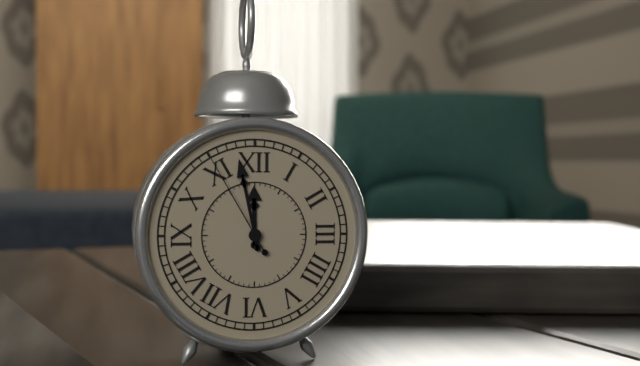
11:58:55
